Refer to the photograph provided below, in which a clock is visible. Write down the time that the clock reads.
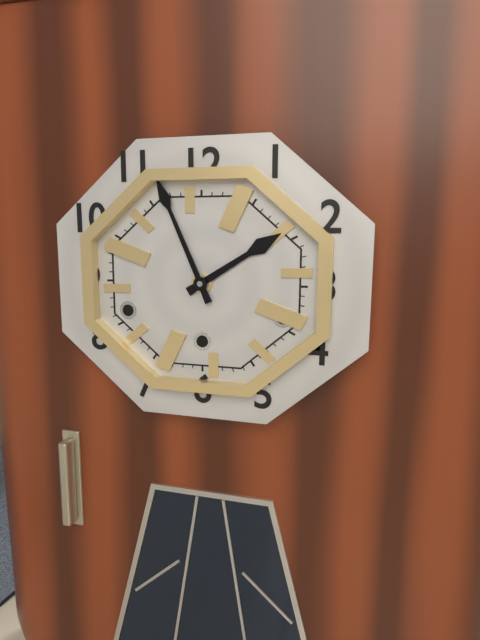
1:56
